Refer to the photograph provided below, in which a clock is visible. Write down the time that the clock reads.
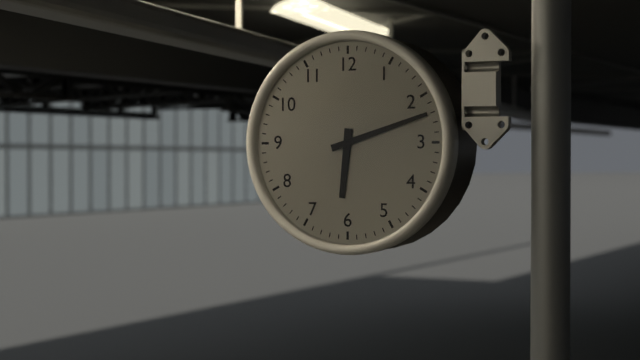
6:12
